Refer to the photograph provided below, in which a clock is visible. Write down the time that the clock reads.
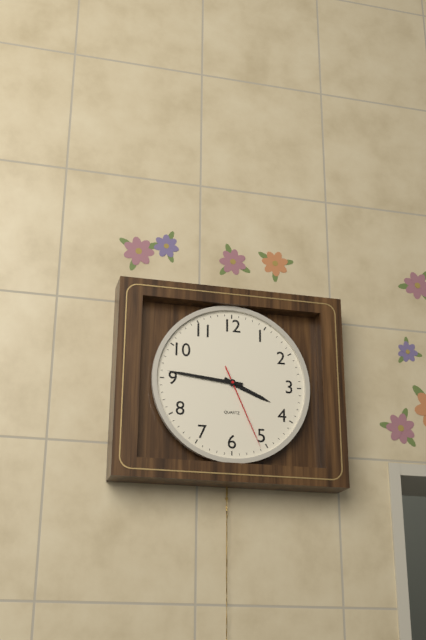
3:46:26
